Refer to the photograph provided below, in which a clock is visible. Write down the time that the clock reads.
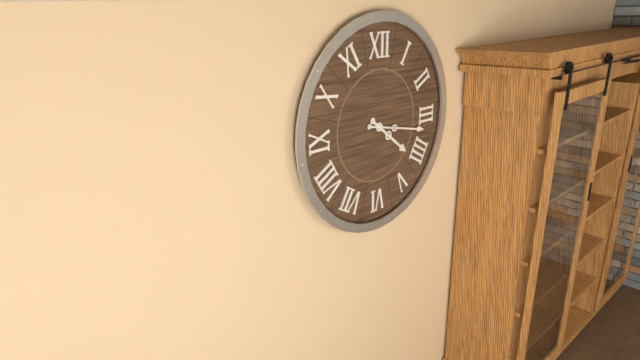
4:17
